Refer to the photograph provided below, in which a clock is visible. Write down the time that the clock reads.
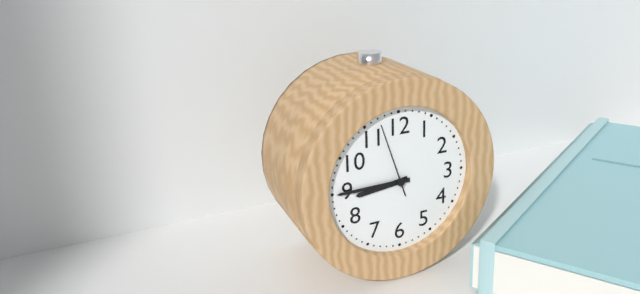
8:45:57
